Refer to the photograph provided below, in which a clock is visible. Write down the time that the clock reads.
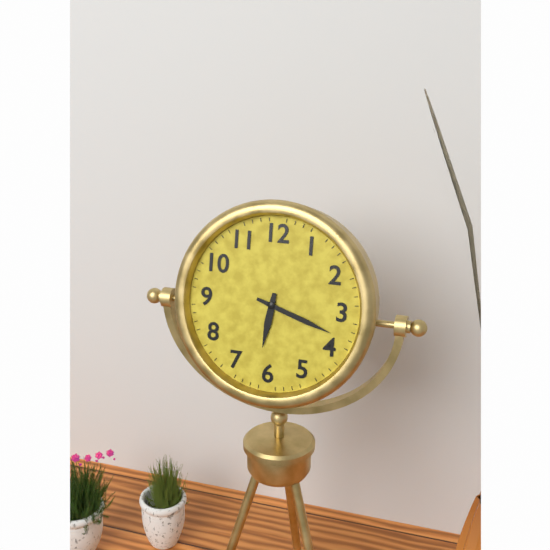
6:18
